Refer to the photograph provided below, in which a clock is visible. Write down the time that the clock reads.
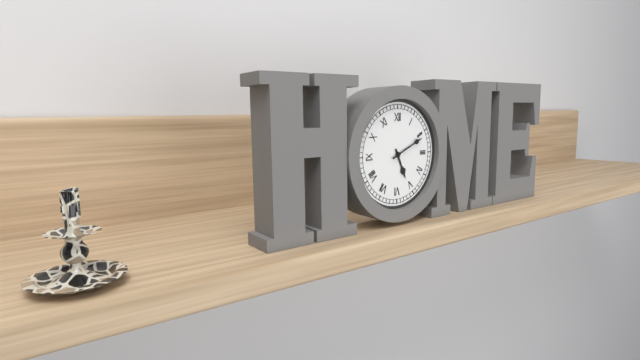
5:11
